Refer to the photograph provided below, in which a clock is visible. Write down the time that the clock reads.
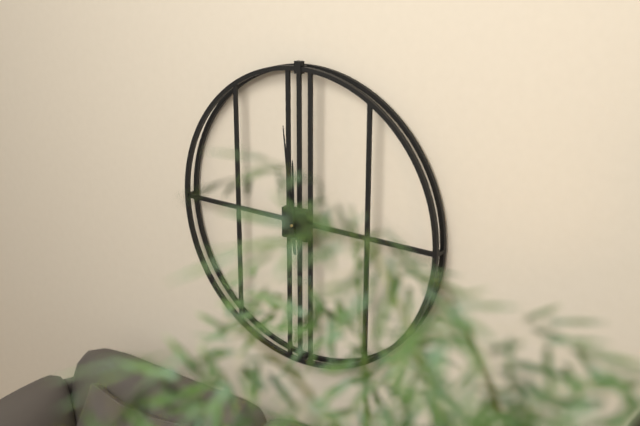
11:59
